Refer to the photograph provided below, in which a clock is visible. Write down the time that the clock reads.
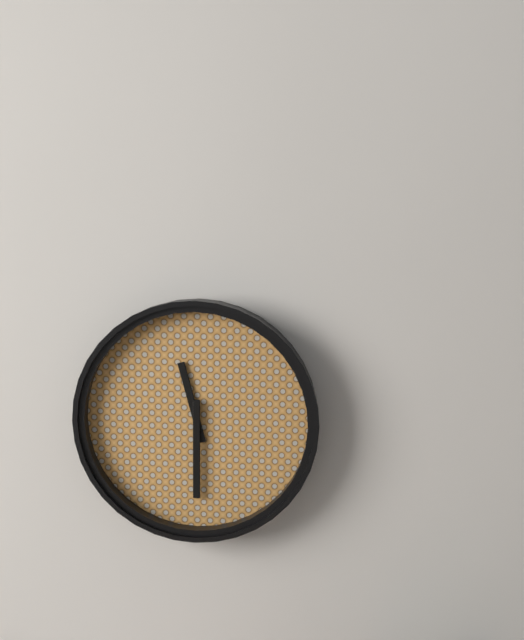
11:30
